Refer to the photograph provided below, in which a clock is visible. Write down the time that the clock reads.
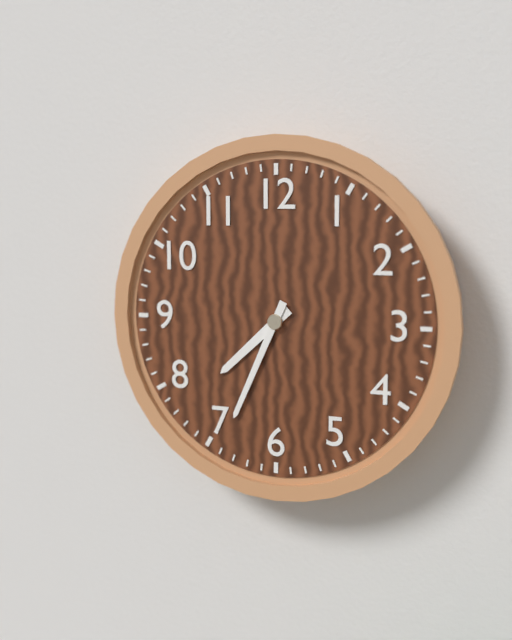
7:34
